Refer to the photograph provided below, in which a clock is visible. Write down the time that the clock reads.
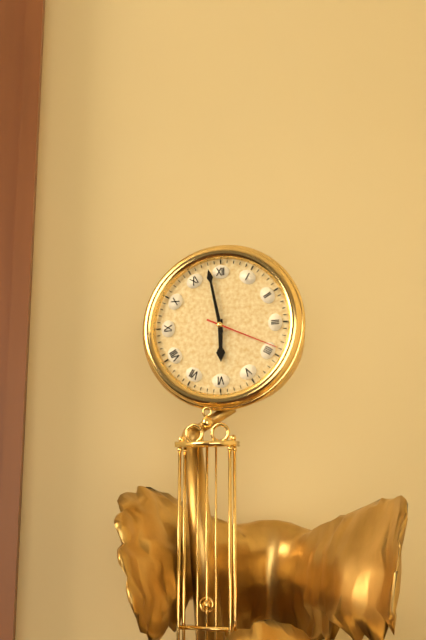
5:58:19
